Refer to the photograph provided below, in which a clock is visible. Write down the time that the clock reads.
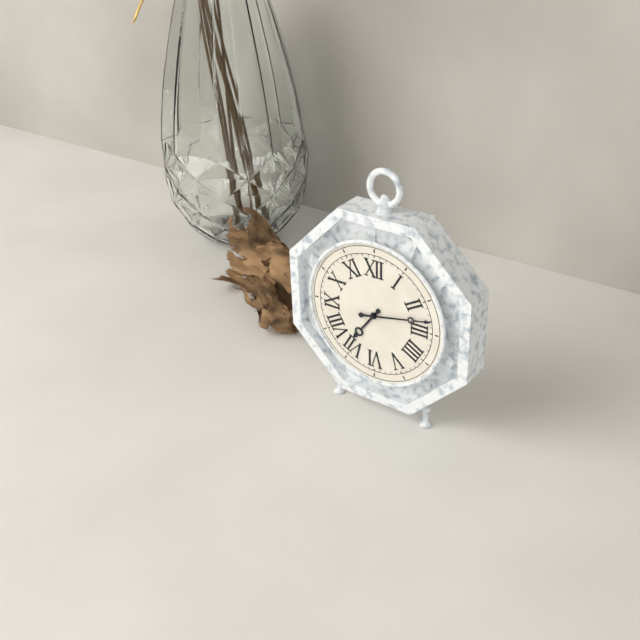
7:13
